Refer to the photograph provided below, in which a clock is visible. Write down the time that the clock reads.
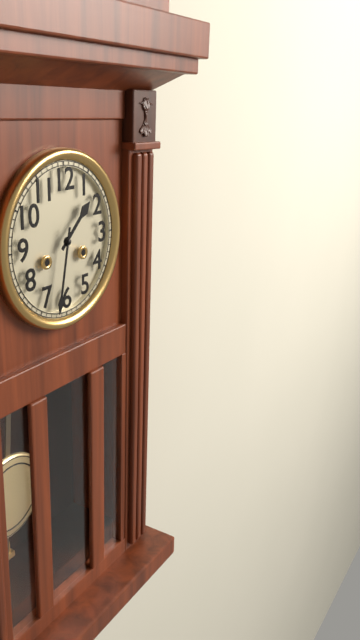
1:32
